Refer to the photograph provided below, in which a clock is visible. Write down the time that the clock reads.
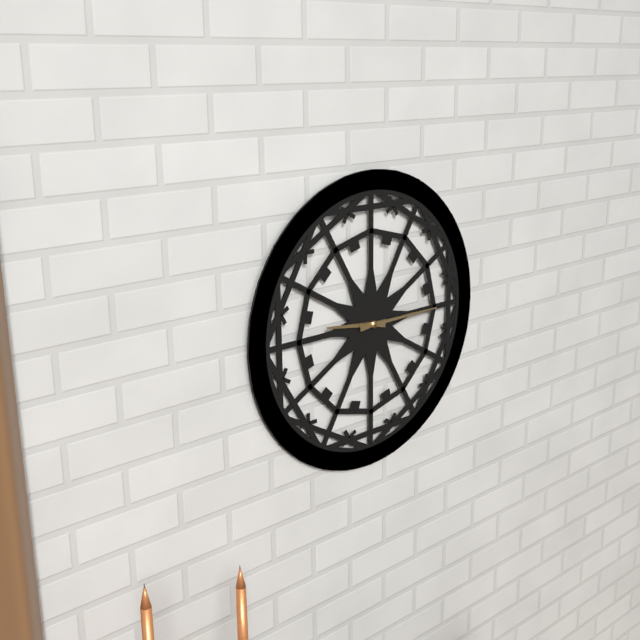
9:15
